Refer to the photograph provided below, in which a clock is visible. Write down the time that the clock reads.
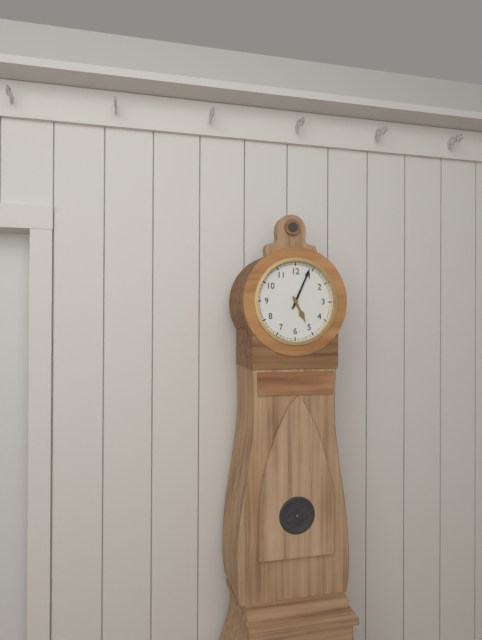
5:04
